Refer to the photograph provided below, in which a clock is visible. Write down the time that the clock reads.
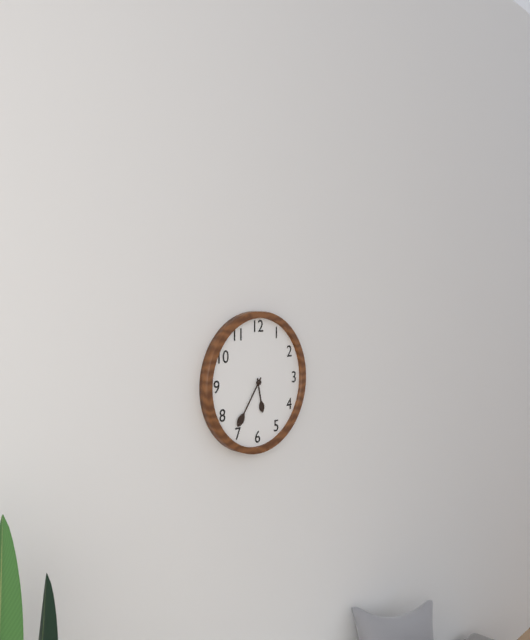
5:36
